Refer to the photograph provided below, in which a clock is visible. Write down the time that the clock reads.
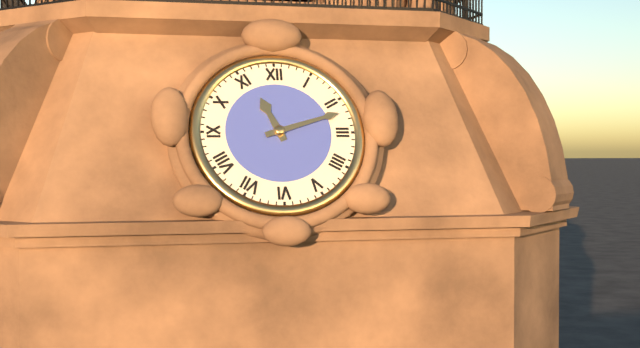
11:12
